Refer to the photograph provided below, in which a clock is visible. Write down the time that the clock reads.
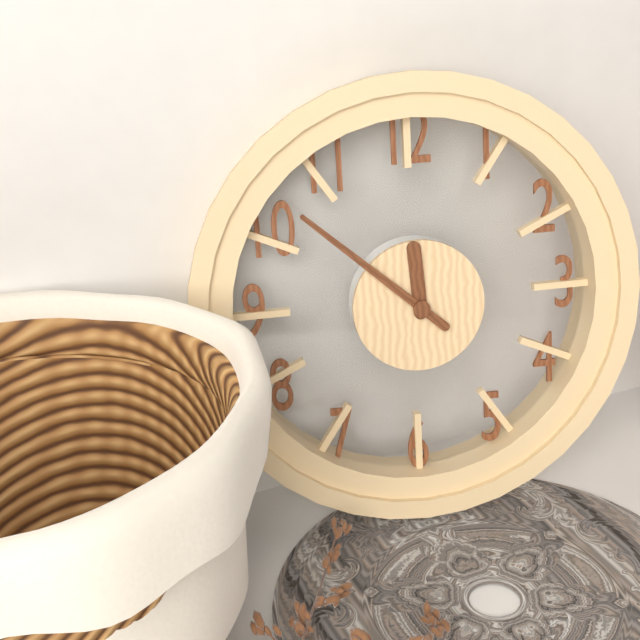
11:52
